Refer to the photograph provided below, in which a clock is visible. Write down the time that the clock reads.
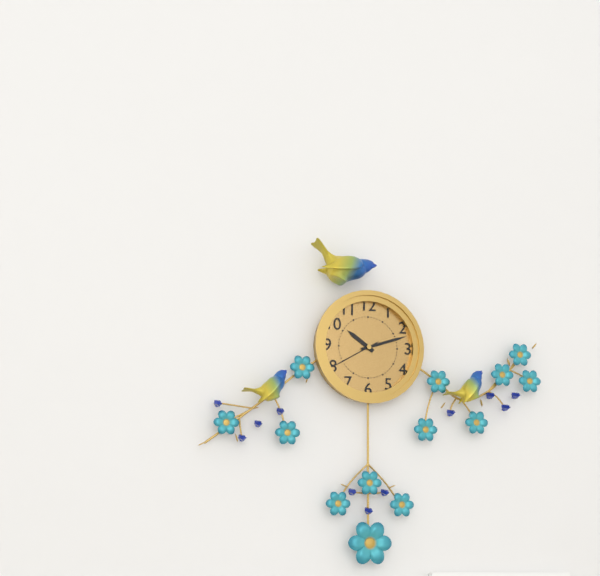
10:12:40
